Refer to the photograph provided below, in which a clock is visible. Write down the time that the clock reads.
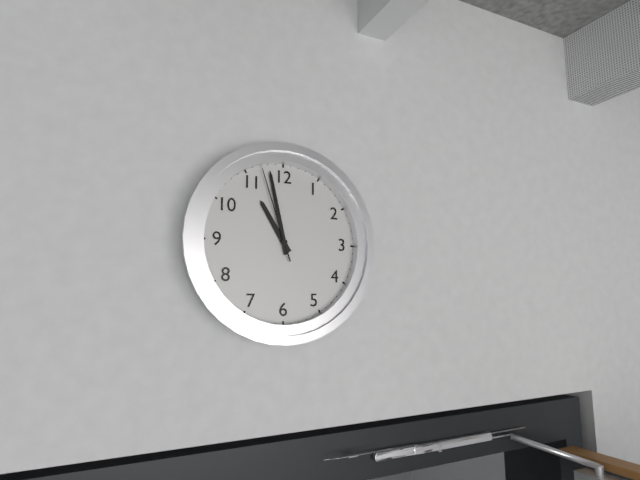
10:58:57
